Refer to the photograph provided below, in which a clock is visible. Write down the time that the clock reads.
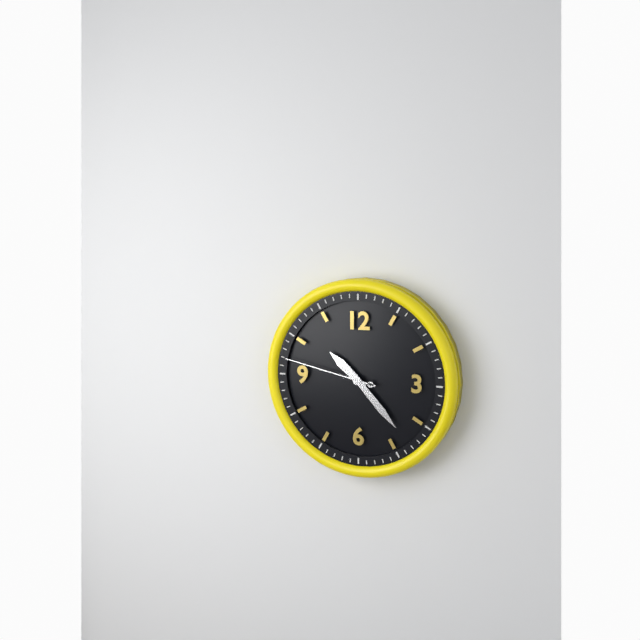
10:23:47
